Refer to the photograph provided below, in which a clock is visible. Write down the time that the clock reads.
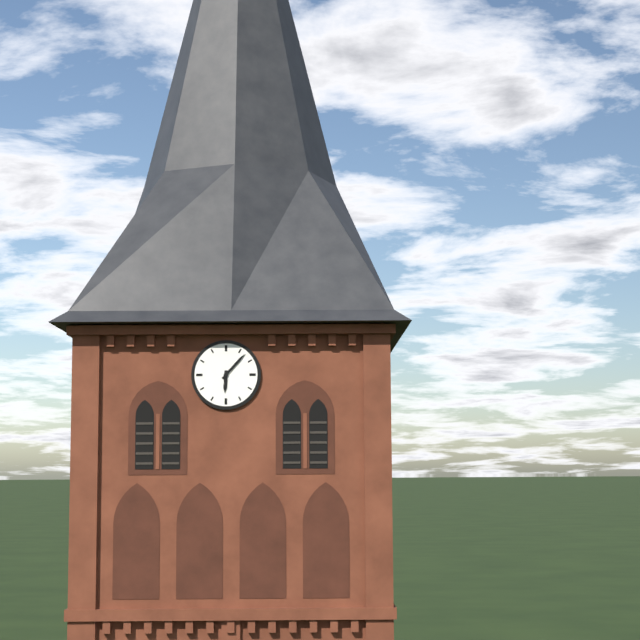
6:07
